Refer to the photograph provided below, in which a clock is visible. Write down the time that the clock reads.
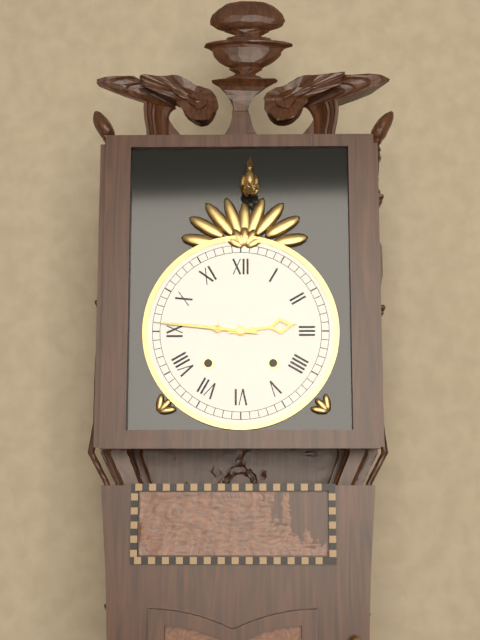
2:46
